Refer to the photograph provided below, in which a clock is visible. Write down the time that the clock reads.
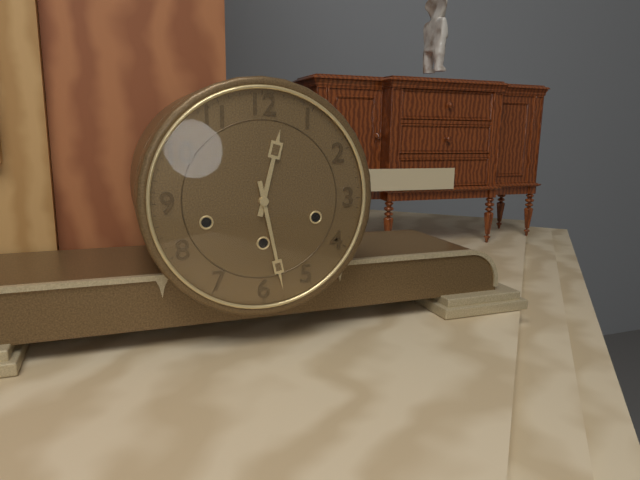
12:28
